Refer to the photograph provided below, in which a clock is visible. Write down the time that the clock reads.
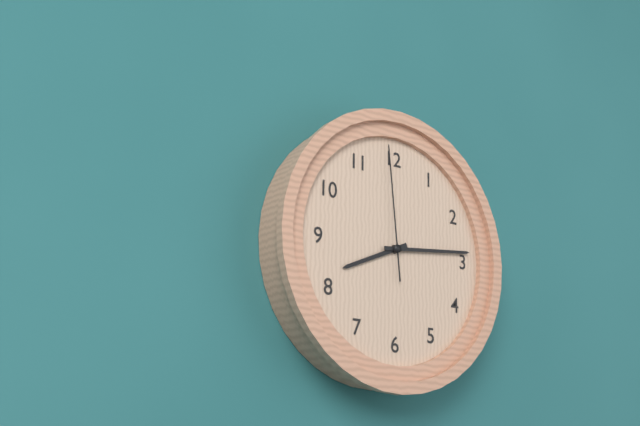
8:14:59
